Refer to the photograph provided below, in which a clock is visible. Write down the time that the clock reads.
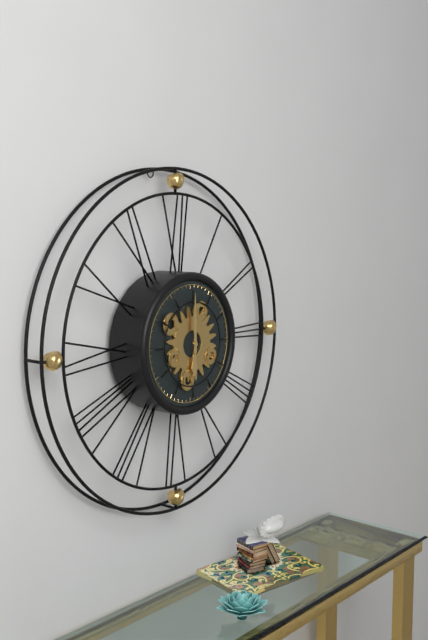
6:00
